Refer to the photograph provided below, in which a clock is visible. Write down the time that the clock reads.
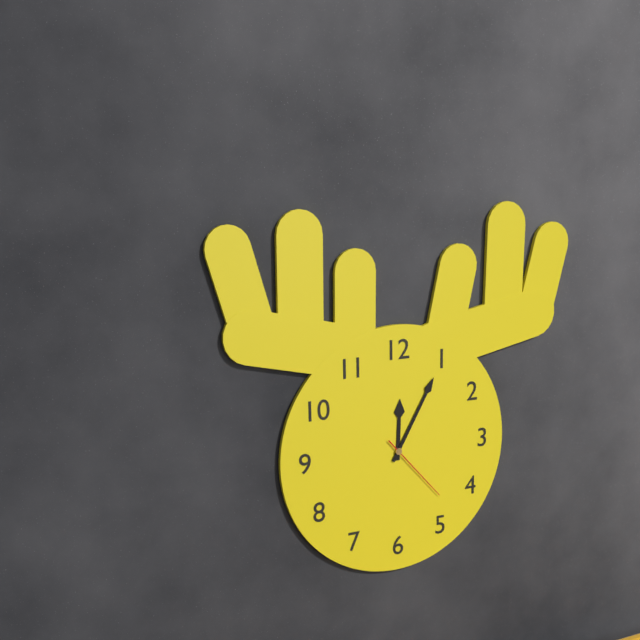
12:05:23
